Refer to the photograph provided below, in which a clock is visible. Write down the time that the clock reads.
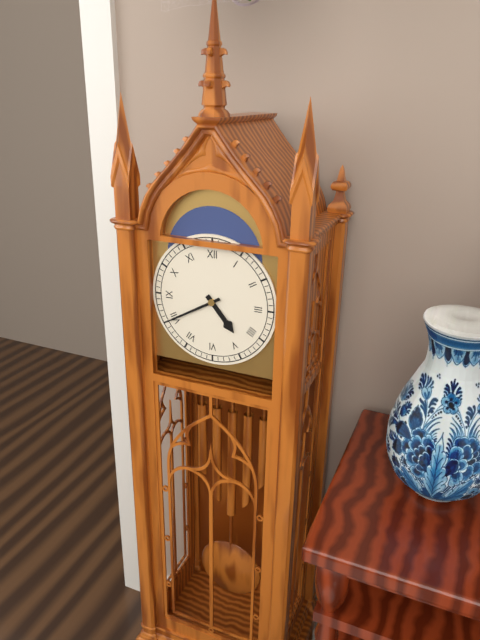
4:40
